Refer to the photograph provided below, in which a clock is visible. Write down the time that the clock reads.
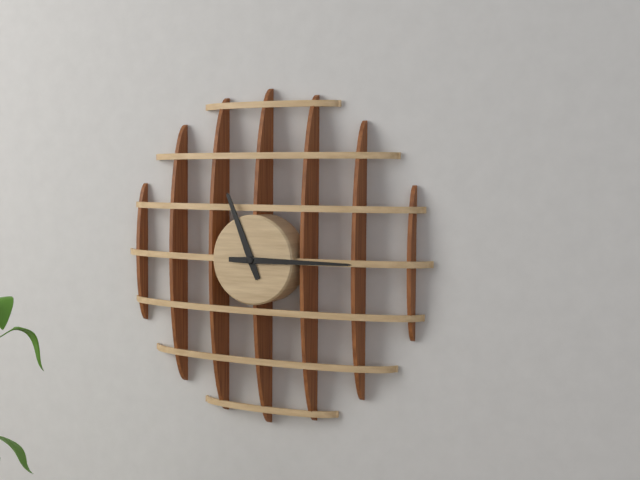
11:15
